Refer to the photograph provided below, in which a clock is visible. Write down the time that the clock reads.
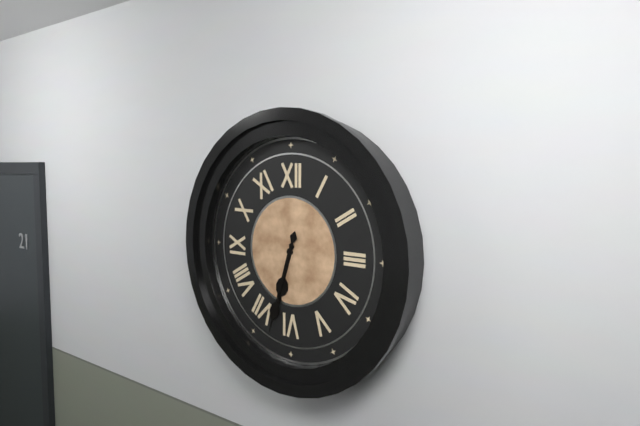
6:33
